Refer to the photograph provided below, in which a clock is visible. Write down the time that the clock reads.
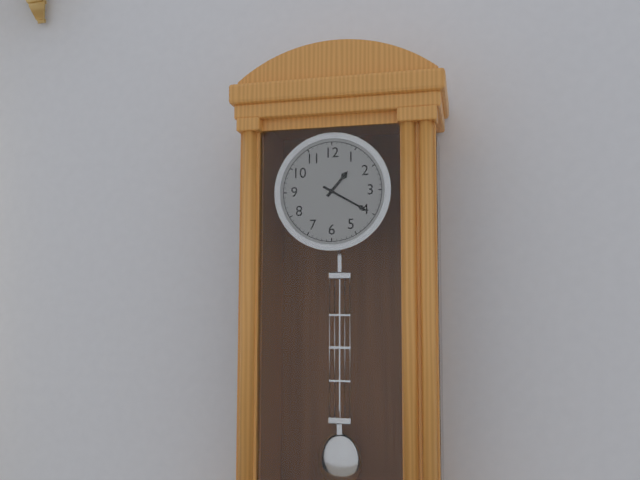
1:20
